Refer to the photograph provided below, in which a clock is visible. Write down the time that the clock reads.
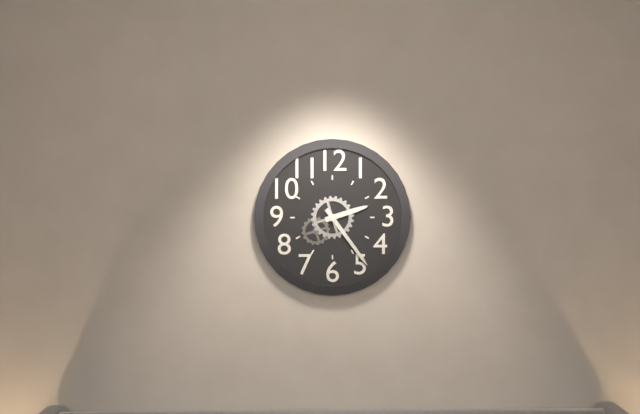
2:24
